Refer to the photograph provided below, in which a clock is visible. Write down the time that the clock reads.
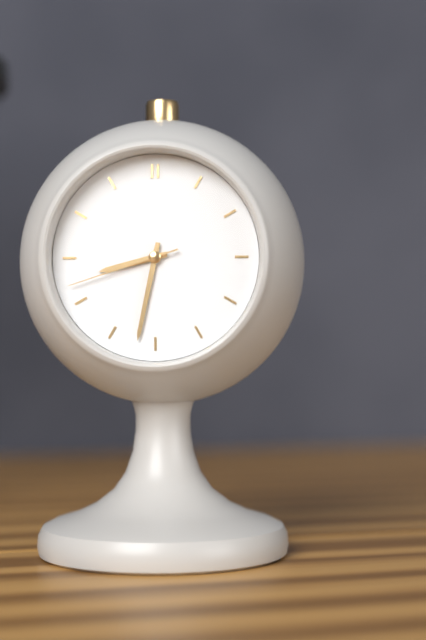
8:32:42
